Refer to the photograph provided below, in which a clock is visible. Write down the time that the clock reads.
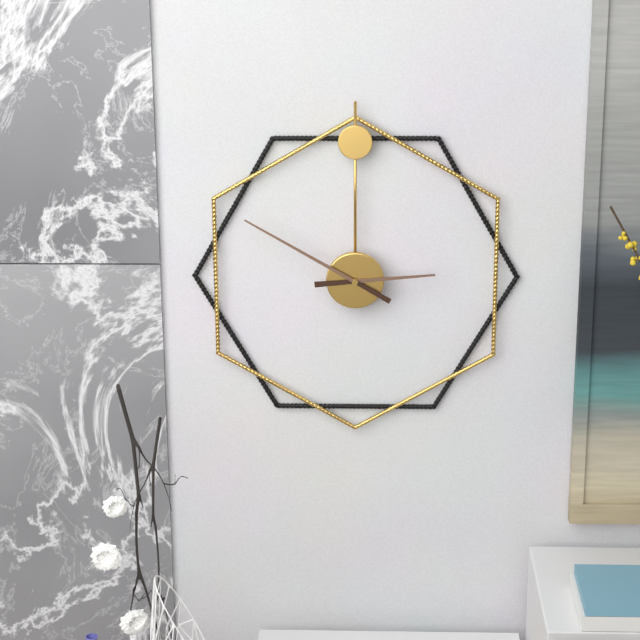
2:50
